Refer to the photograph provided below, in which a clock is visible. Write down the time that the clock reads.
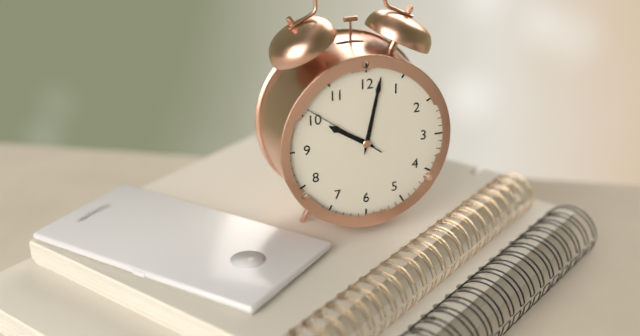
10:02:51
